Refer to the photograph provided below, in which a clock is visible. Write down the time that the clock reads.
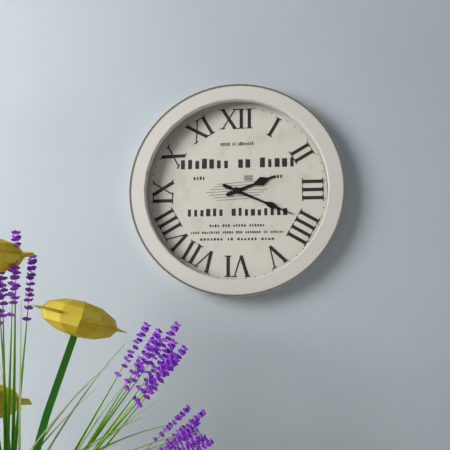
2:19
